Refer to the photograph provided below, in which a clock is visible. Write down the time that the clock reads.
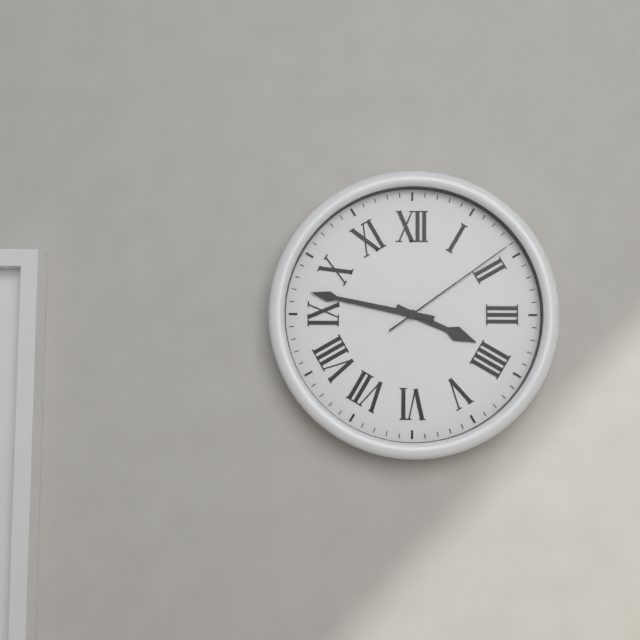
3:47:09
